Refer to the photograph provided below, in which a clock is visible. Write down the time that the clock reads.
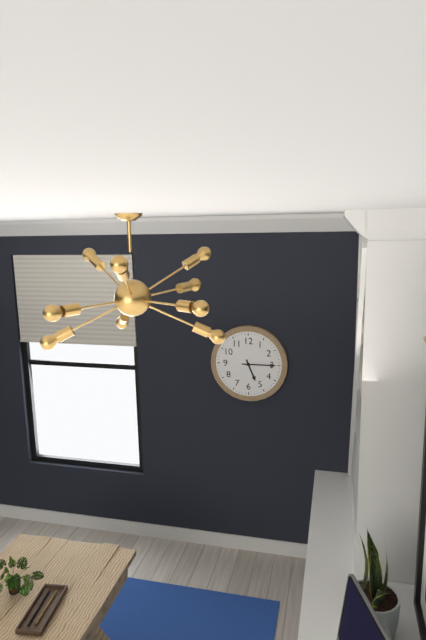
5:15
